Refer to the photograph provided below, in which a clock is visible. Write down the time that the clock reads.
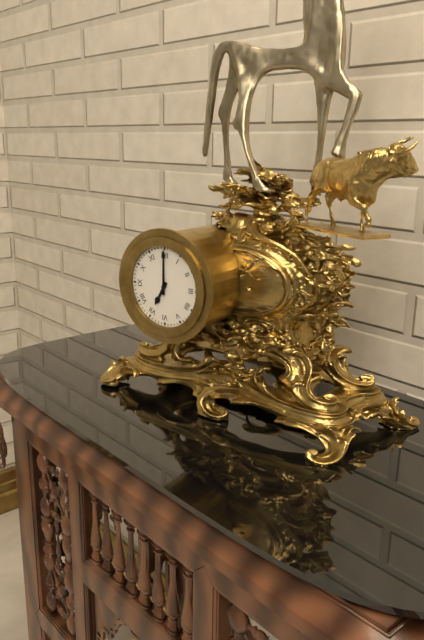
7:00
